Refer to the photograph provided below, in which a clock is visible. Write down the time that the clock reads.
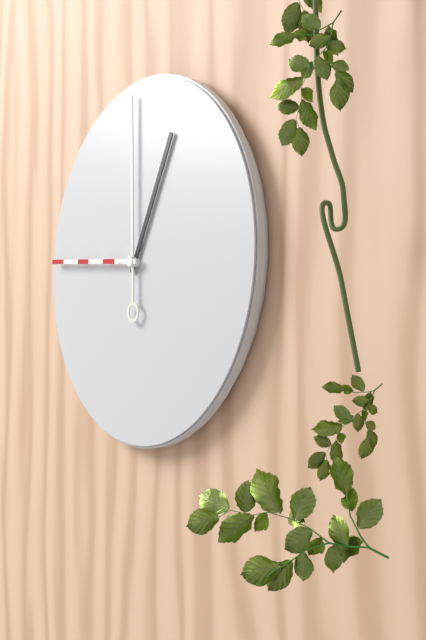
1:00:46
